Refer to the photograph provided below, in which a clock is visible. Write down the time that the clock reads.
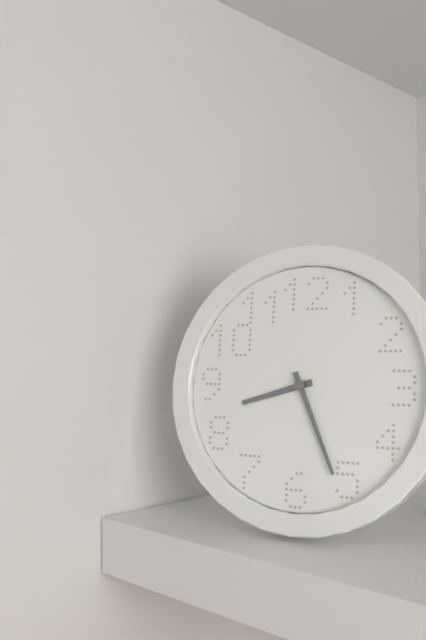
8:26
